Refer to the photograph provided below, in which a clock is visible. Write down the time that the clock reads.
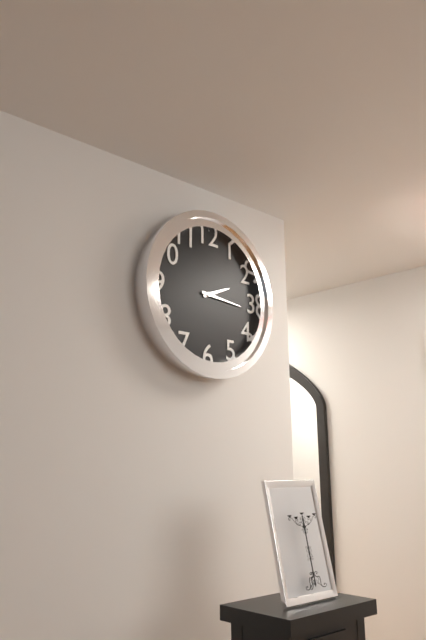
2:16
